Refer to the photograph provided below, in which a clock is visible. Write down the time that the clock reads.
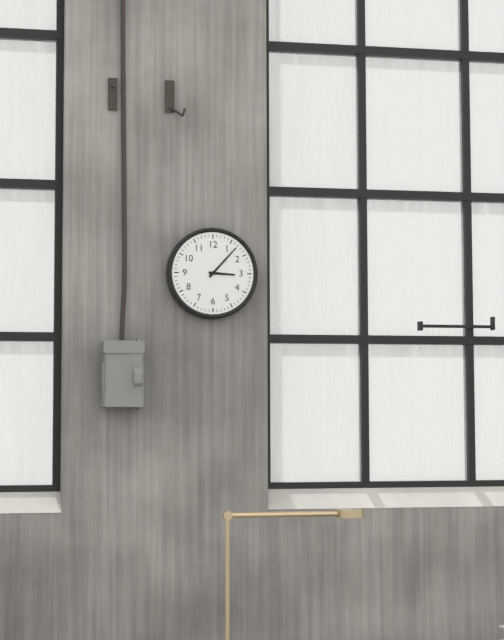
3:07
